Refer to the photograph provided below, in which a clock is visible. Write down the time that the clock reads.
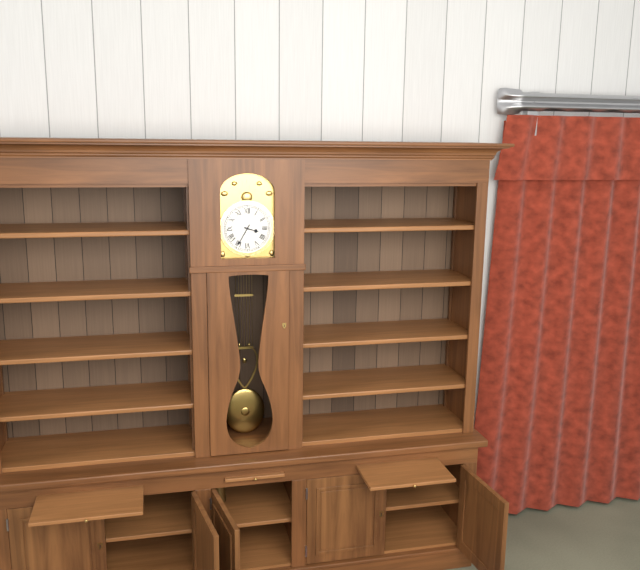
3:35
